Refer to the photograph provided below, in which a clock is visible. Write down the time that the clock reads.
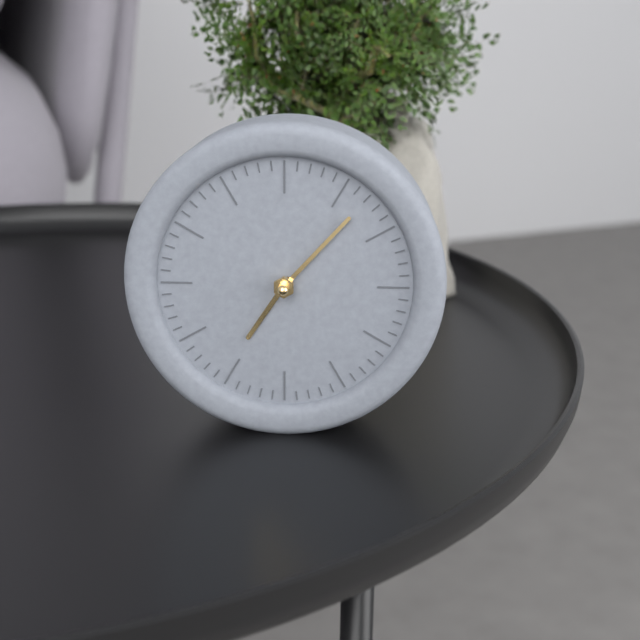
7:07
